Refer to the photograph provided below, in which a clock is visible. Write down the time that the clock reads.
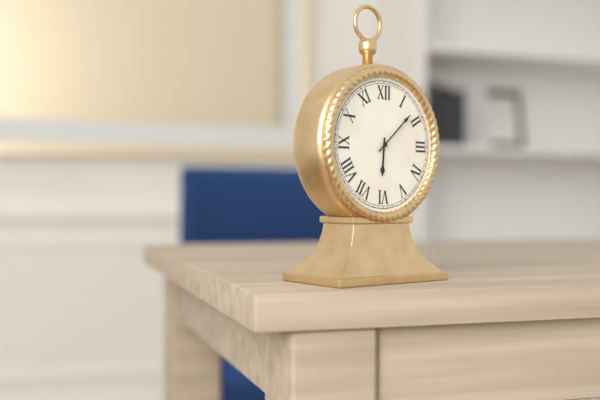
6:08
